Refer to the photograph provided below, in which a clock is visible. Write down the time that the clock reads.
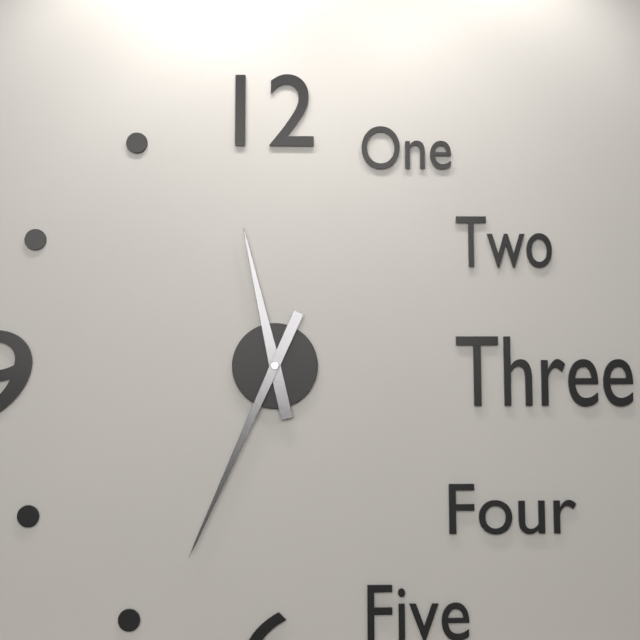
11:34
